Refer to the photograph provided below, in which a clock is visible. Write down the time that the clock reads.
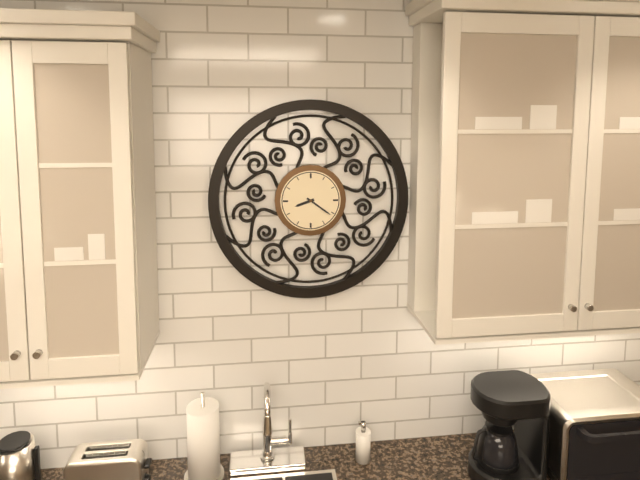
8:21
